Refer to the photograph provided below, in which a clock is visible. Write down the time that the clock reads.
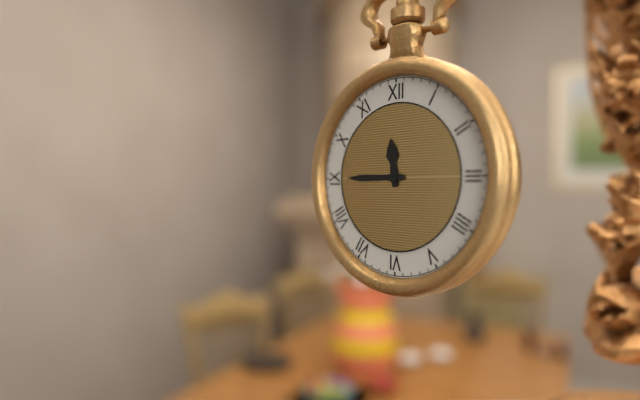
11:45
